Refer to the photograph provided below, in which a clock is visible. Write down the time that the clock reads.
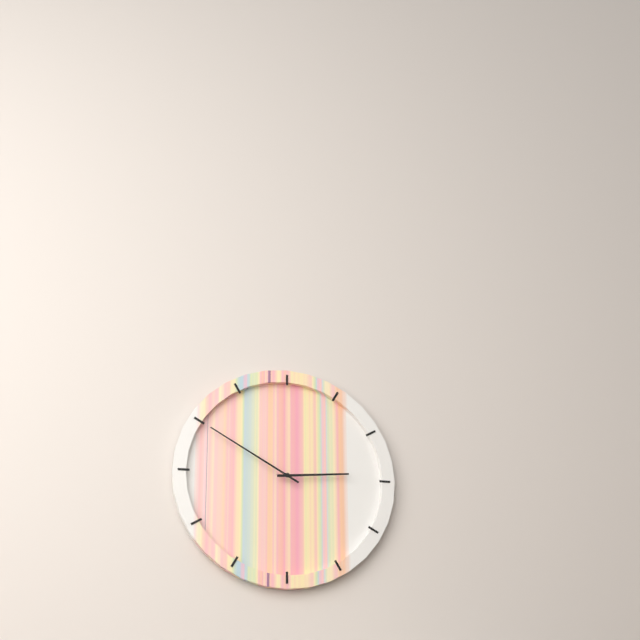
2:50
